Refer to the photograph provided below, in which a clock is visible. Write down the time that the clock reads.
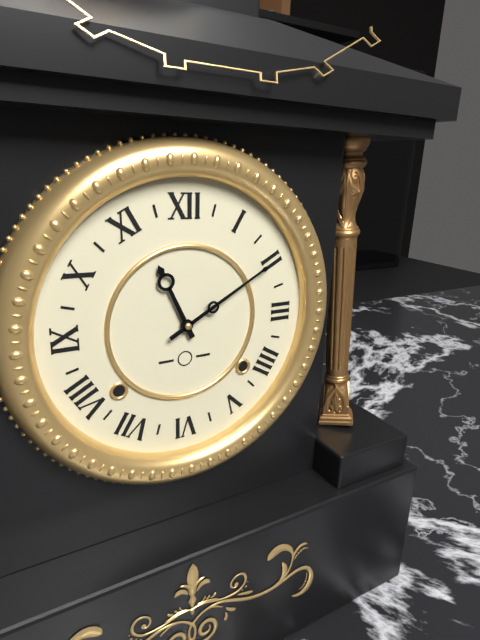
11:10
